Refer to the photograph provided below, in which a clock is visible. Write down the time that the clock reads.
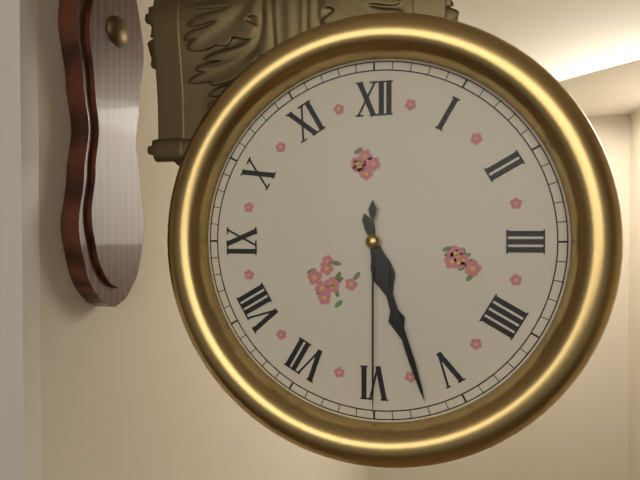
5:27:30
